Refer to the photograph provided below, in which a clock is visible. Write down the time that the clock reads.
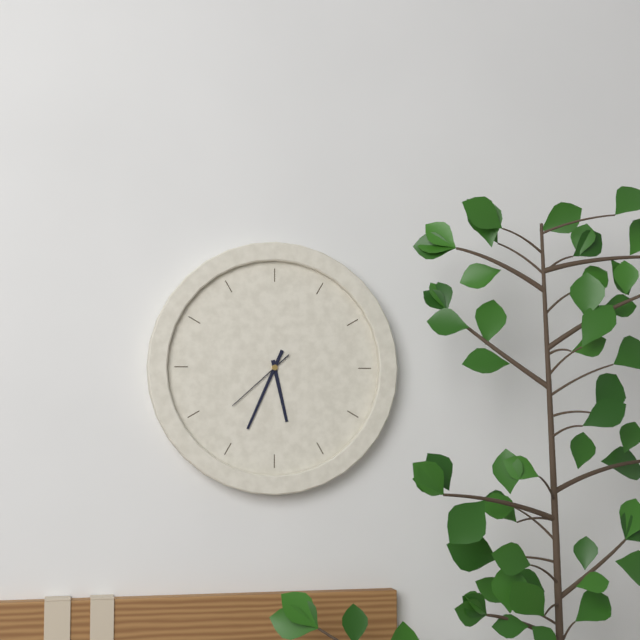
5:34:38
